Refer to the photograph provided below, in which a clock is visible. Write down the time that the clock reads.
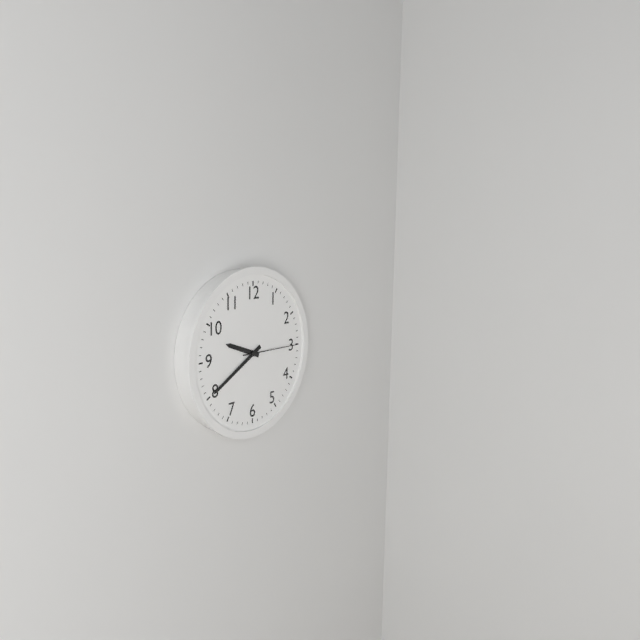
9:40:15
